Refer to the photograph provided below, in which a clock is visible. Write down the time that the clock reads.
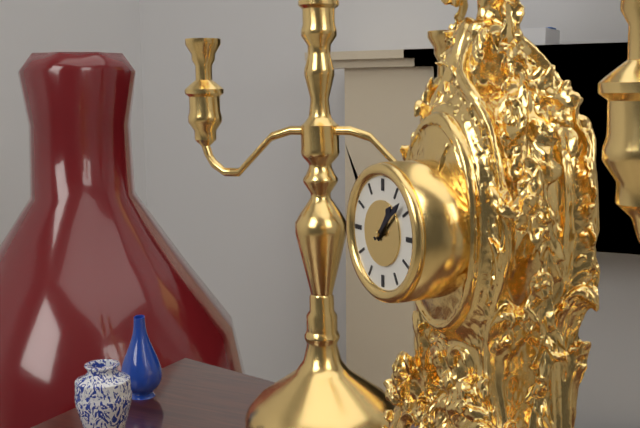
1:08
